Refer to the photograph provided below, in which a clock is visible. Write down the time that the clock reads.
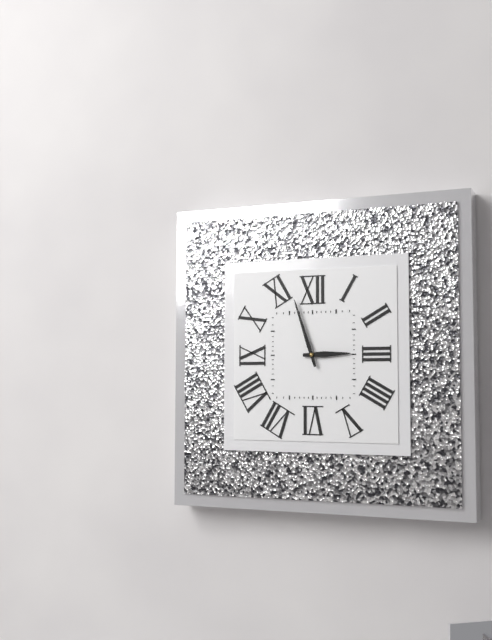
2:57
